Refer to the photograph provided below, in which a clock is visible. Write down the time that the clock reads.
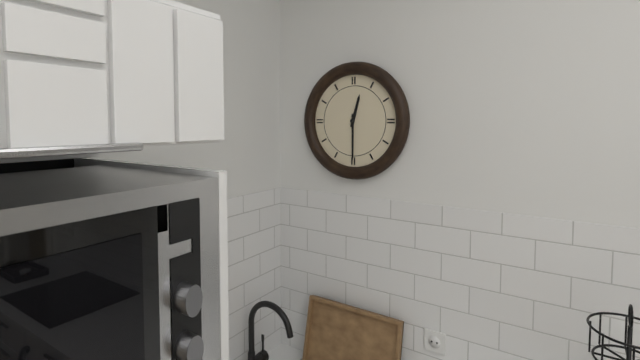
12:30
